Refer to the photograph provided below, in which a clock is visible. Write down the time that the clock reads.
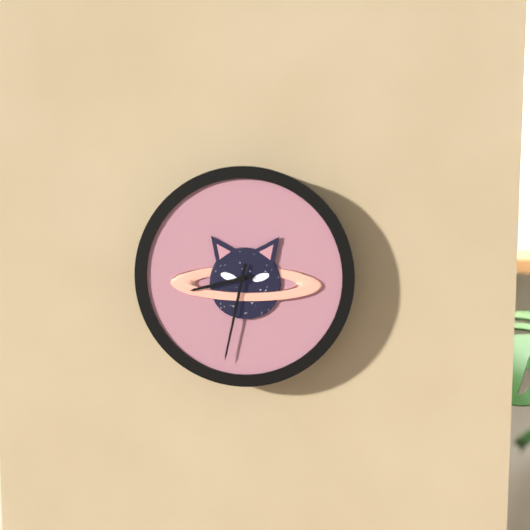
8:32
